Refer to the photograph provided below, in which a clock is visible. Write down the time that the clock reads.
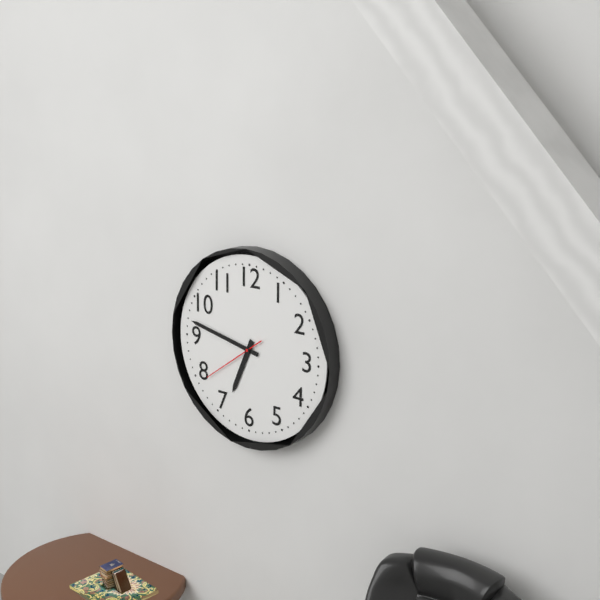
6:47:39
